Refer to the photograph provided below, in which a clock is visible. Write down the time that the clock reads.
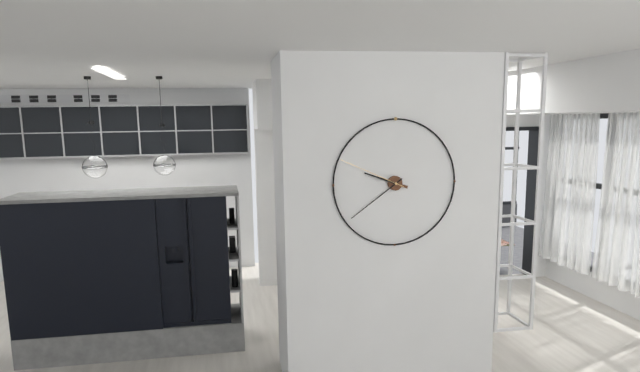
9:39:49
